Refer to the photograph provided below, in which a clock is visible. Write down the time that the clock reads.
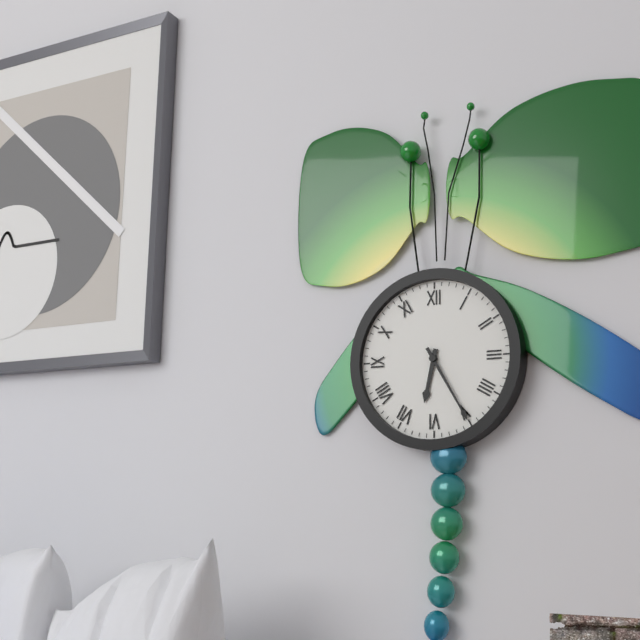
6:25
